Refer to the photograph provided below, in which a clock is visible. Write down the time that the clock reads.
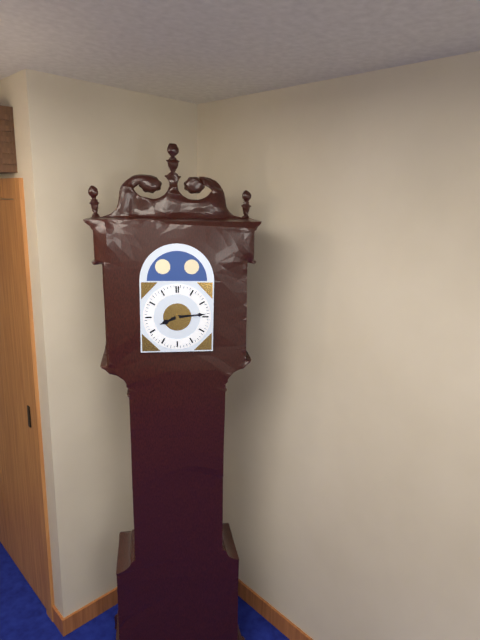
8:14
